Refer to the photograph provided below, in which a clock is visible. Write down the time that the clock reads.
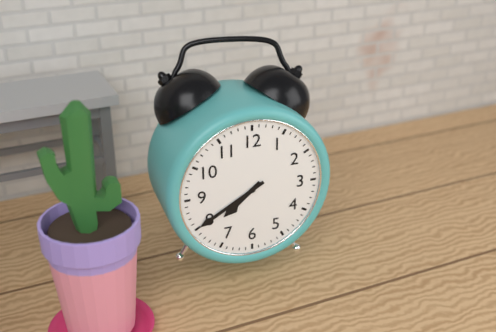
7:40
